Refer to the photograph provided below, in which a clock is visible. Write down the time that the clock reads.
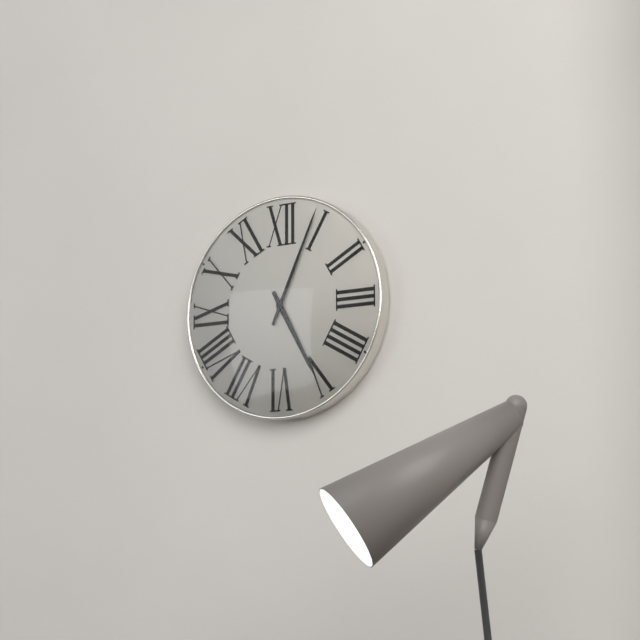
5:04
